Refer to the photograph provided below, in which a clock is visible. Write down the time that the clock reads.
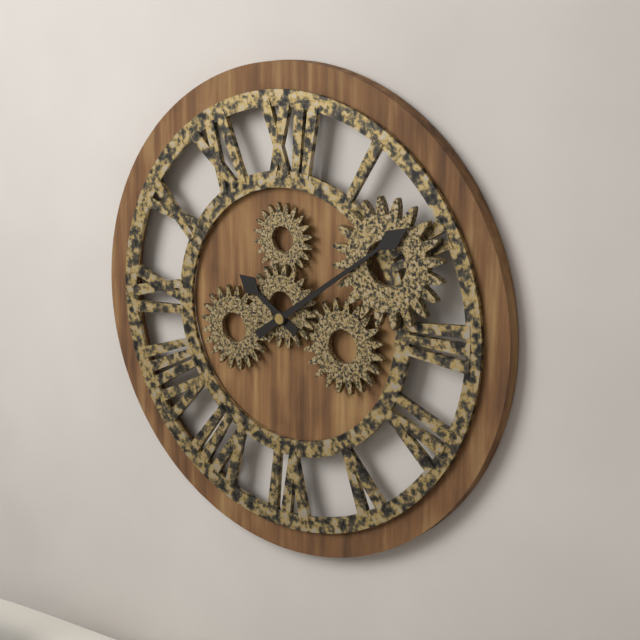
10:09
